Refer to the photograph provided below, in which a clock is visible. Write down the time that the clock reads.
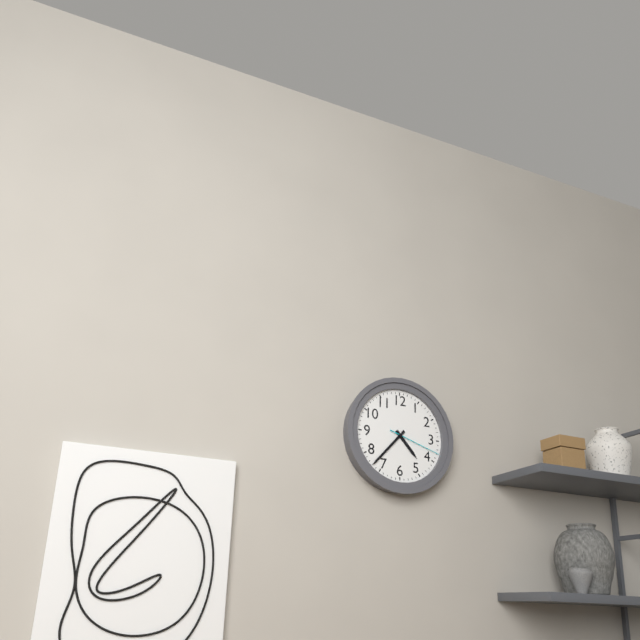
4:37:18
